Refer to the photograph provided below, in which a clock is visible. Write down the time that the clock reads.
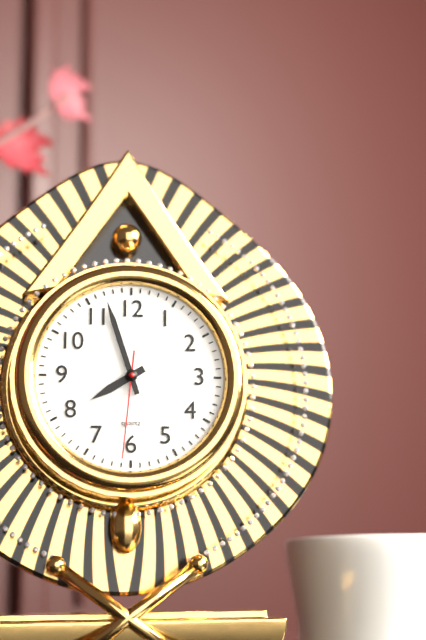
7:57:31
